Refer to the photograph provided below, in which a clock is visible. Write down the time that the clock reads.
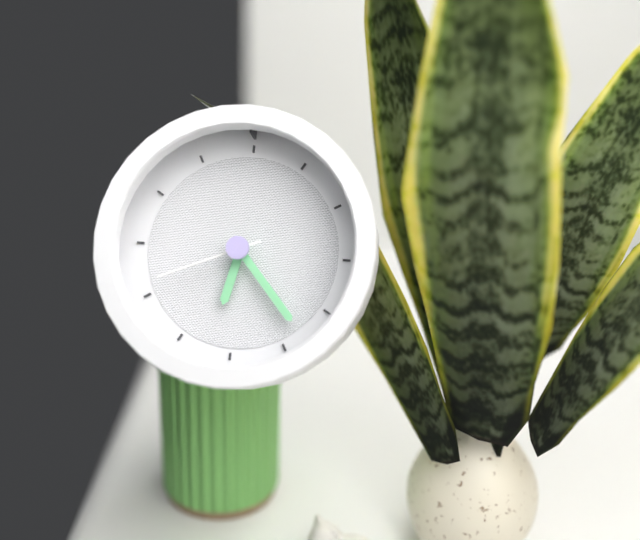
6:23:41
